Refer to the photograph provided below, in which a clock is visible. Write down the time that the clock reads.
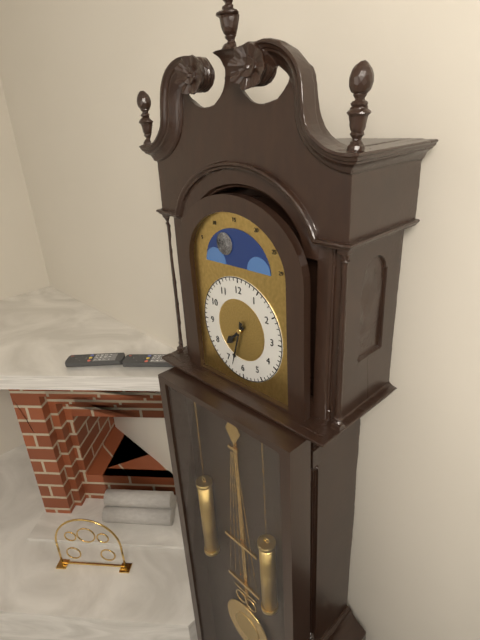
7:33
